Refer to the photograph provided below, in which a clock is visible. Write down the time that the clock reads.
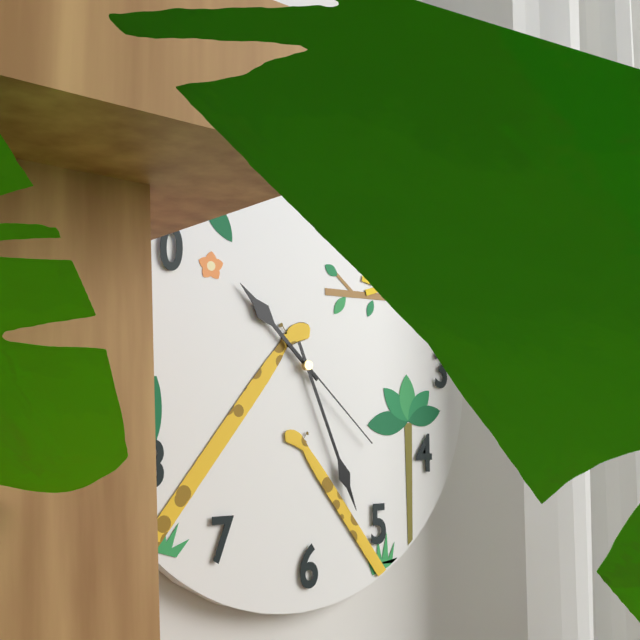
10:26:22
